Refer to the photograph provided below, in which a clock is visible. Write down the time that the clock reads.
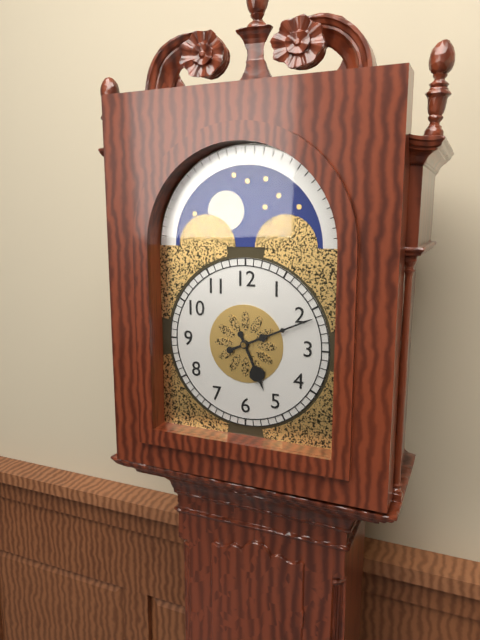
5:11
